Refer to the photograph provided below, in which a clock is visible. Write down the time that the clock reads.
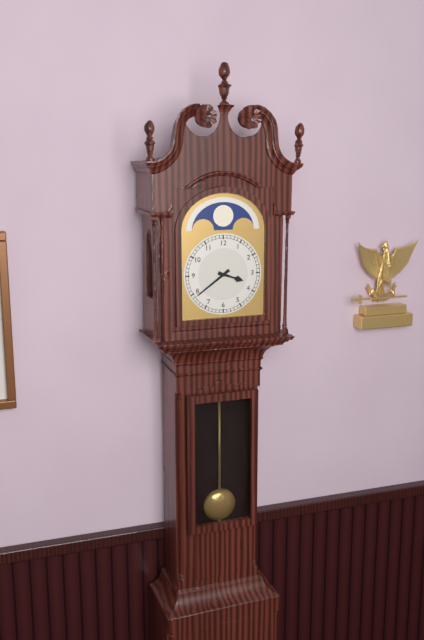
3:39
